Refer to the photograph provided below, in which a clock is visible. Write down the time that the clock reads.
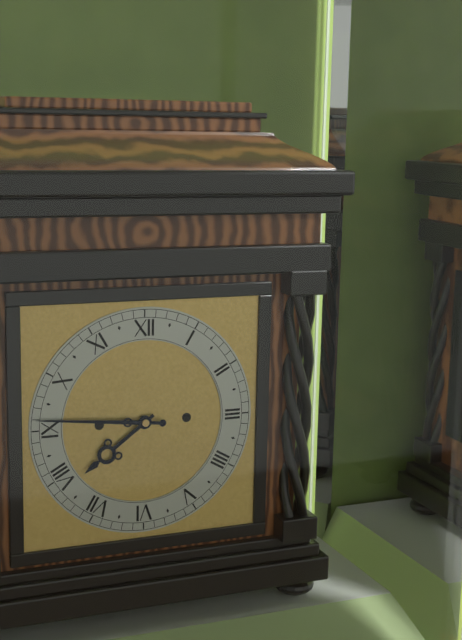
7:46
